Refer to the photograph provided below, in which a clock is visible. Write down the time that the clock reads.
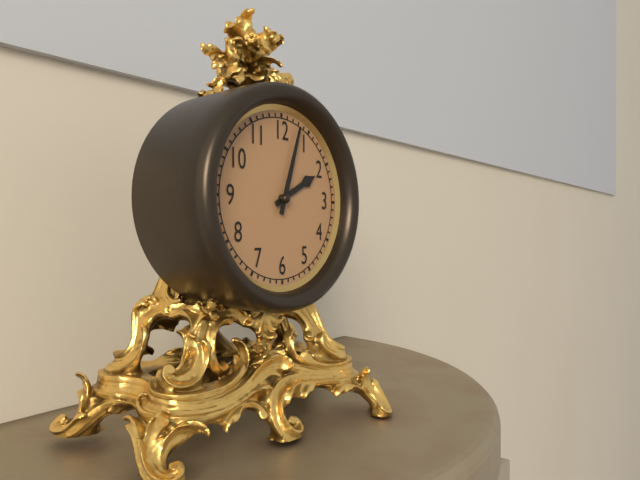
2:03
